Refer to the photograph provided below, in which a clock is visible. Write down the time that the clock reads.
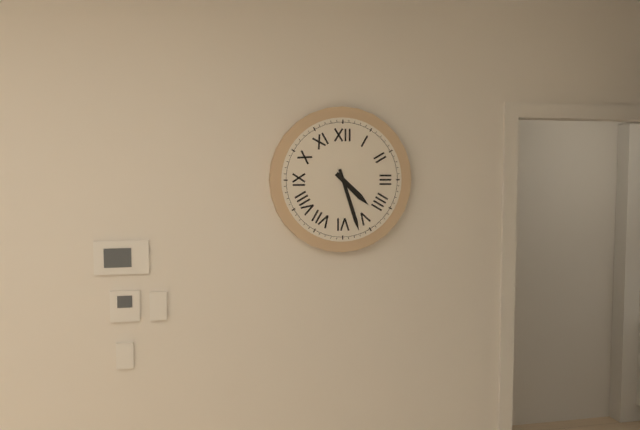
4:27
